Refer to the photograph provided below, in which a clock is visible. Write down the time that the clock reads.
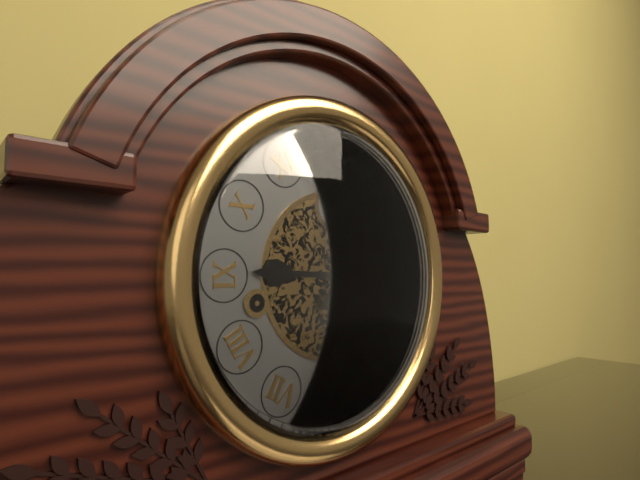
9:04
